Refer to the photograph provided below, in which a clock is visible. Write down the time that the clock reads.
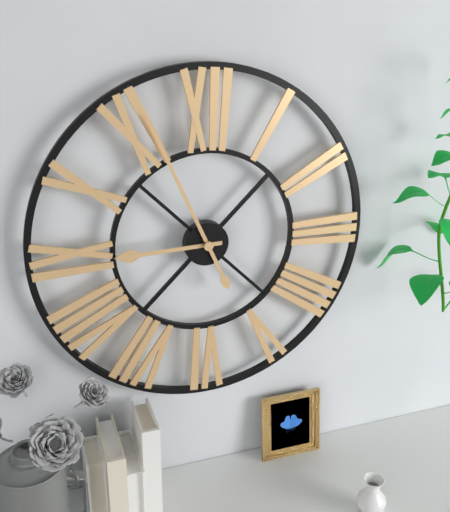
8:56
